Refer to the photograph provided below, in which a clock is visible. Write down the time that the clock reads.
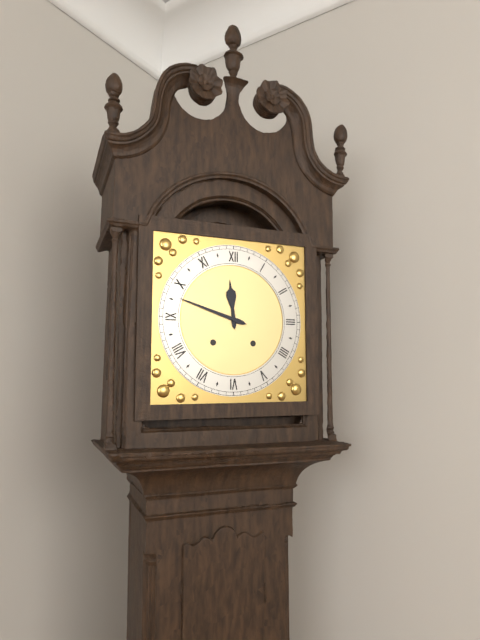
11:48
